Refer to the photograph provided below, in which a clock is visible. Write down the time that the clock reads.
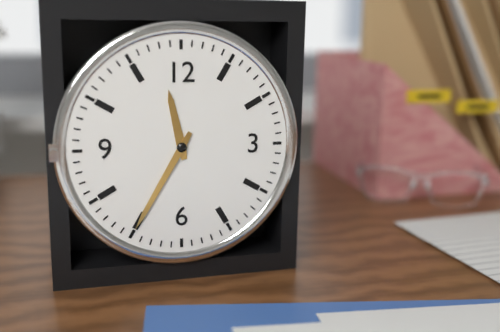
11:35
